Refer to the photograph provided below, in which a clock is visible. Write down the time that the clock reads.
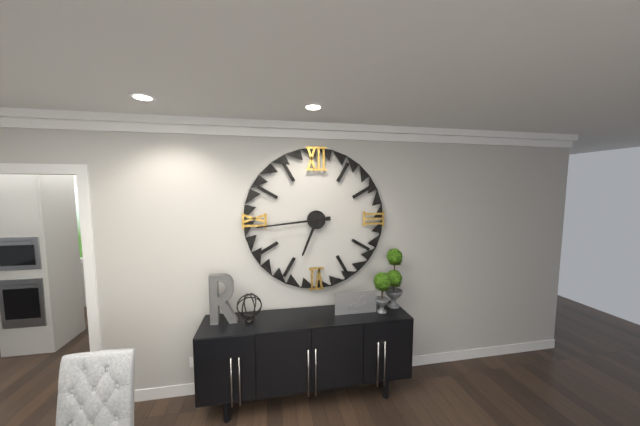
6:44
